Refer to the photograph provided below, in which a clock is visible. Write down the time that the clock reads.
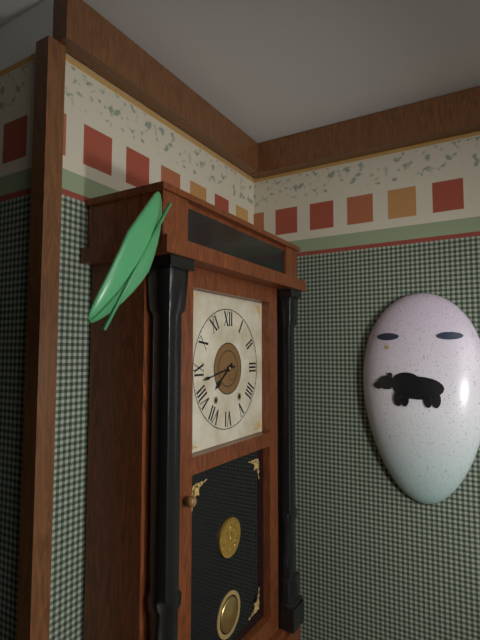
7:43
